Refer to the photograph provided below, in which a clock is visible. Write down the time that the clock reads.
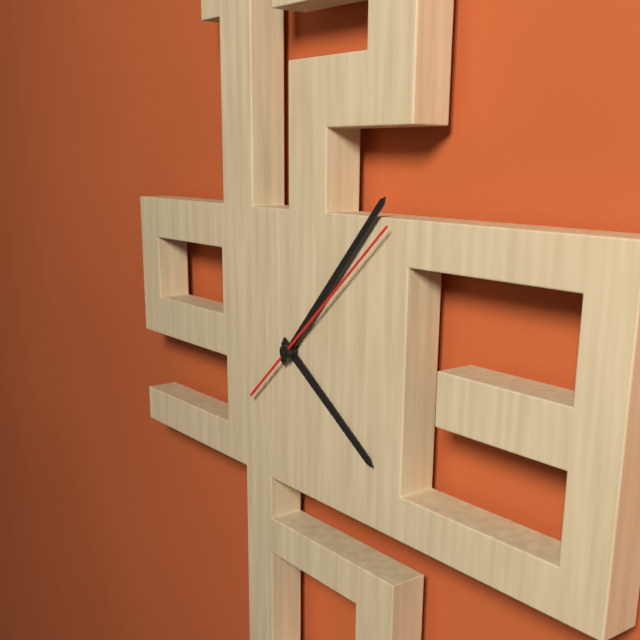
4:07:08
